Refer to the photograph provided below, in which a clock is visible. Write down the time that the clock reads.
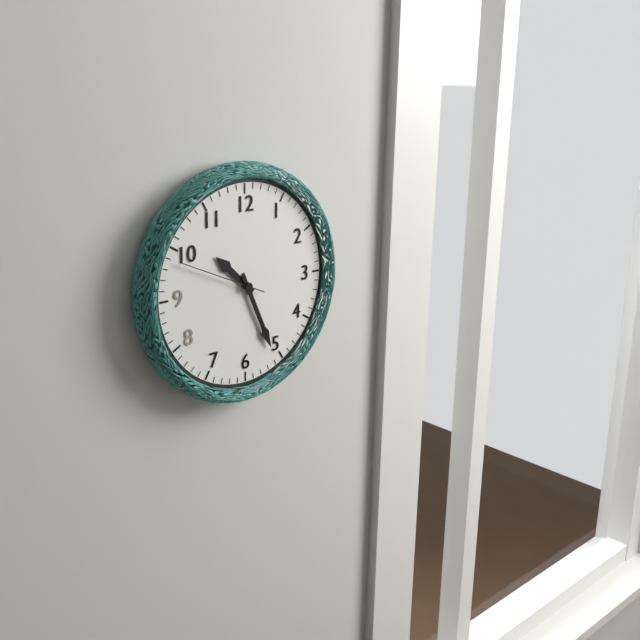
10:26:49
